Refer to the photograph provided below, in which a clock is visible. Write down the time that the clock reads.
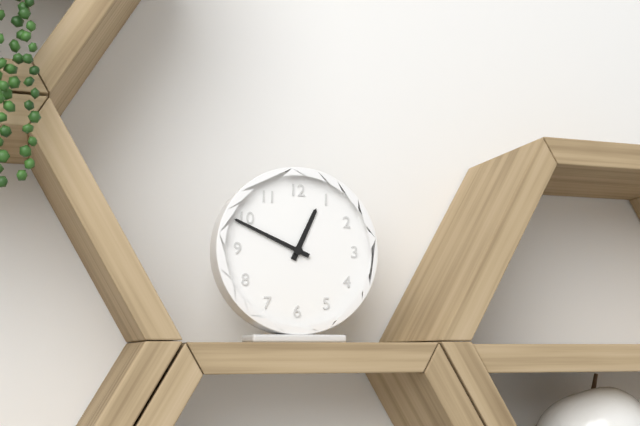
12:49
